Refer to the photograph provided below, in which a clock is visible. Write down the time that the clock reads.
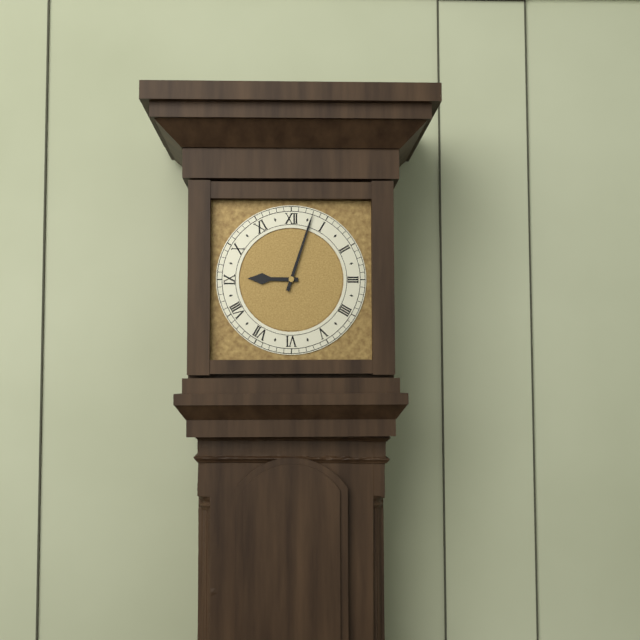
9:03
